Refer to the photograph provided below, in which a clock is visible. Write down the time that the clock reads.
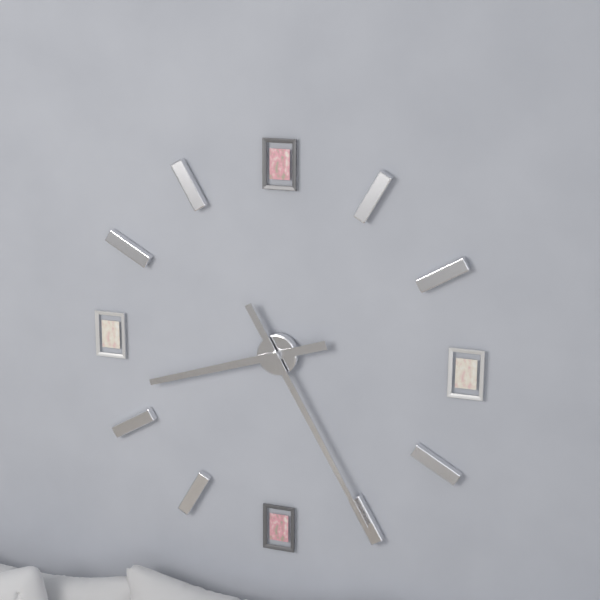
8:25
